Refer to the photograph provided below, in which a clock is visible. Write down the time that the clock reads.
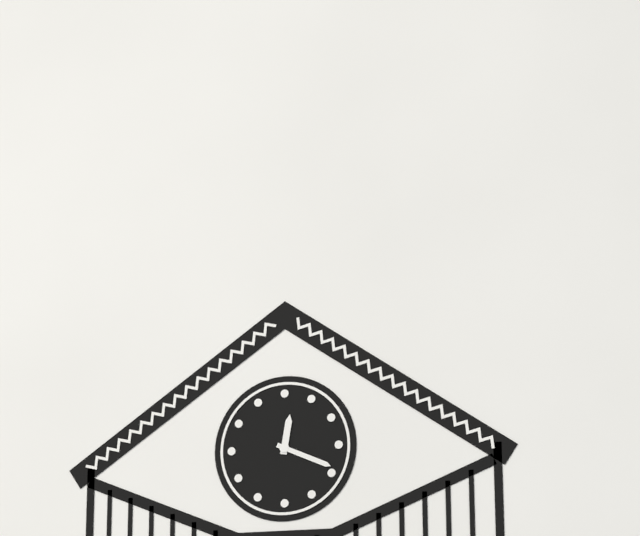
12:19
